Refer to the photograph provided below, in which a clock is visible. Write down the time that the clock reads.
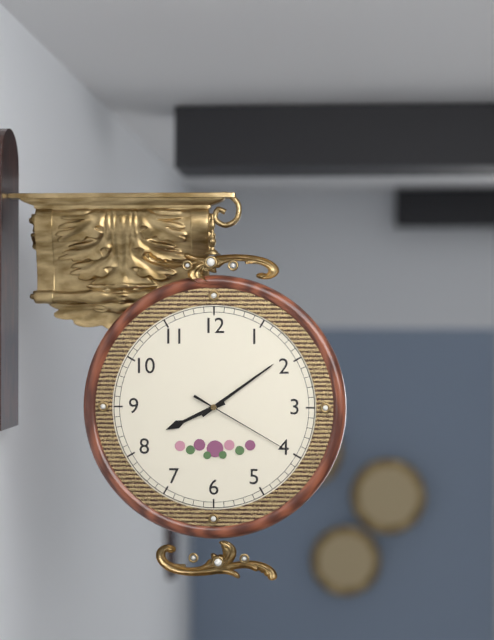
8:09:20
